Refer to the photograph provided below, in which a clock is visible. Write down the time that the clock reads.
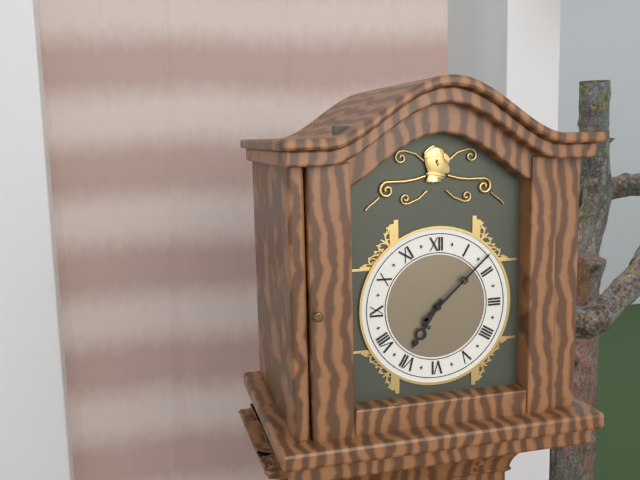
7:08
